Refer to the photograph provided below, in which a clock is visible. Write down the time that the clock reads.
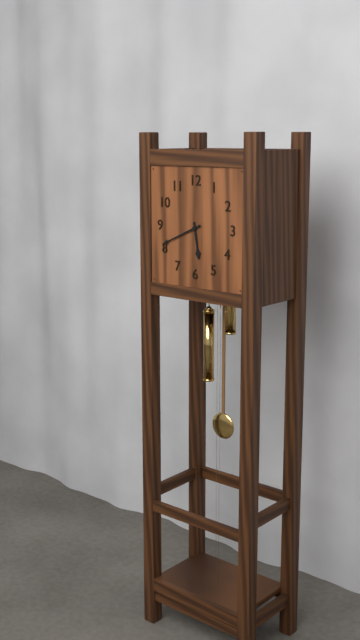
5:41
